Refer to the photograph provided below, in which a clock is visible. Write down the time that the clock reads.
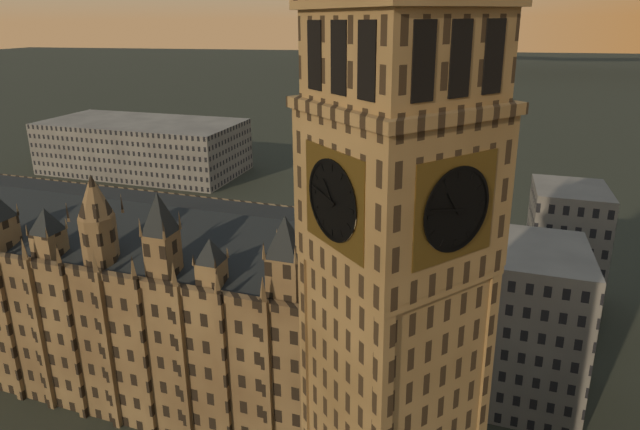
10:47
